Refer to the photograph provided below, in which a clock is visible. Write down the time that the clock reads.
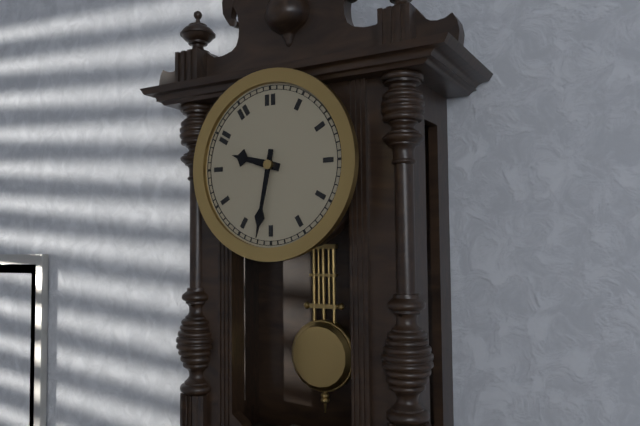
9:32
